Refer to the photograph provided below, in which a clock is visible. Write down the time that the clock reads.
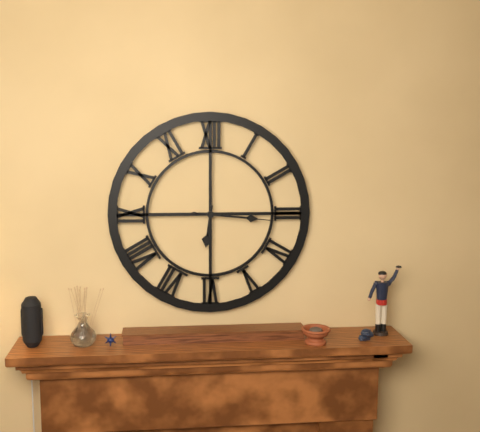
6:16:16
